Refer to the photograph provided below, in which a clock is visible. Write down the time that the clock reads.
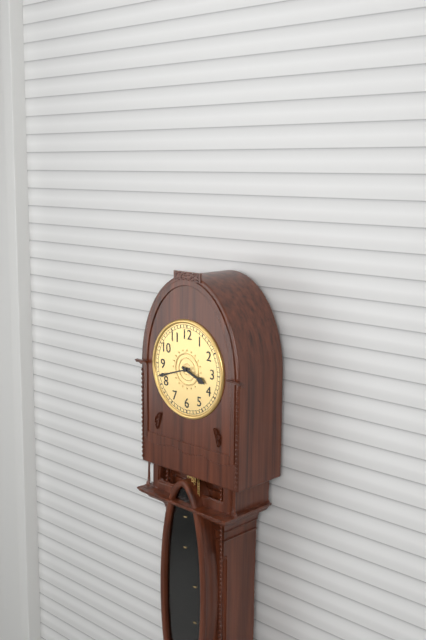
3:42
